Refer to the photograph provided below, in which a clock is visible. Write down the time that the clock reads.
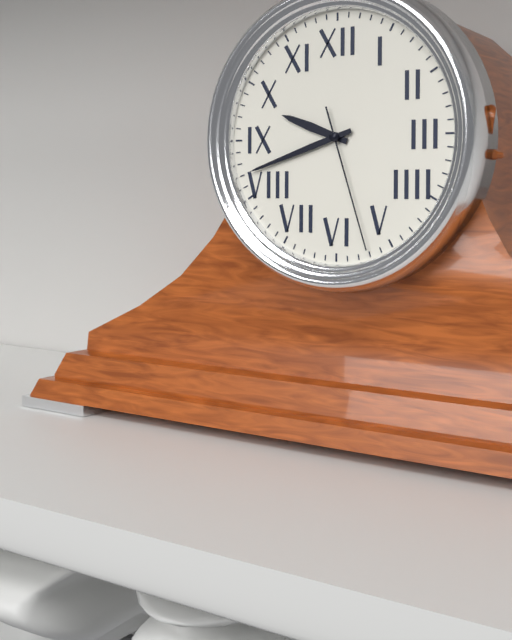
9:42:27
